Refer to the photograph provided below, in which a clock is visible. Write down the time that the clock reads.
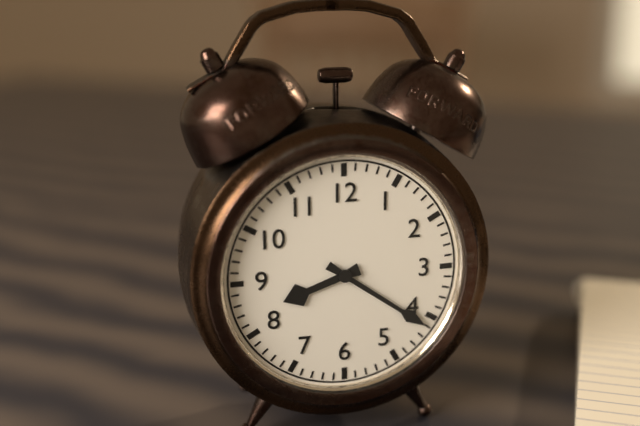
8:21
